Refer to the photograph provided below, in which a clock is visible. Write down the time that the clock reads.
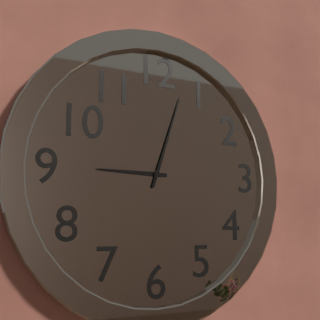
9:03
